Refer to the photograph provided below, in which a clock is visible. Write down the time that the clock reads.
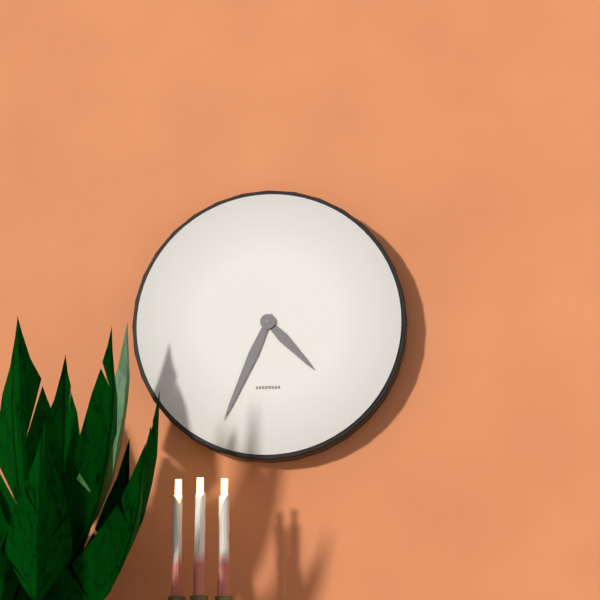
4:34
